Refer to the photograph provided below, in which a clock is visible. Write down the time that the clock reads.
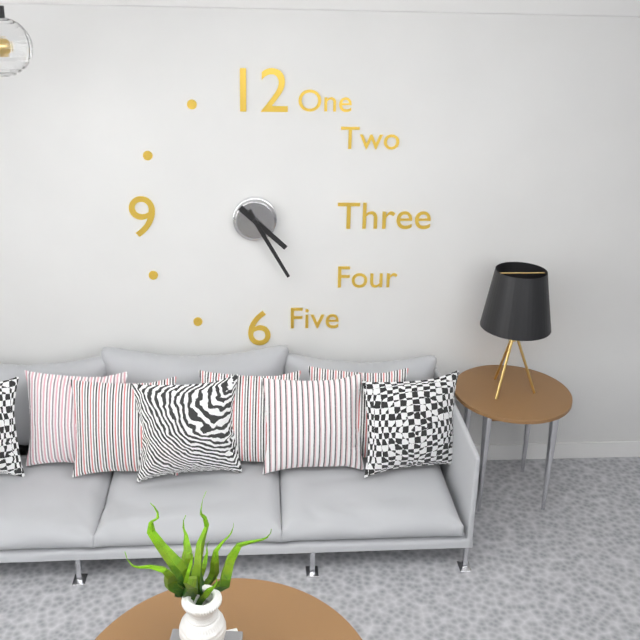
4:25
